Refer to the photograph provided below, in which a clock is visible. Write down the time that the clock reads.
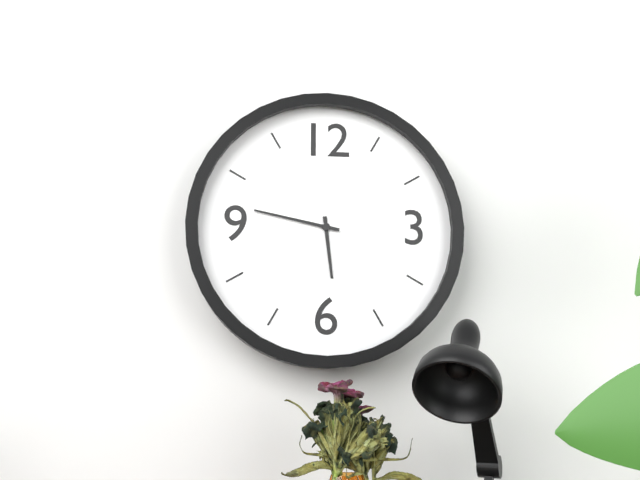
5:47
